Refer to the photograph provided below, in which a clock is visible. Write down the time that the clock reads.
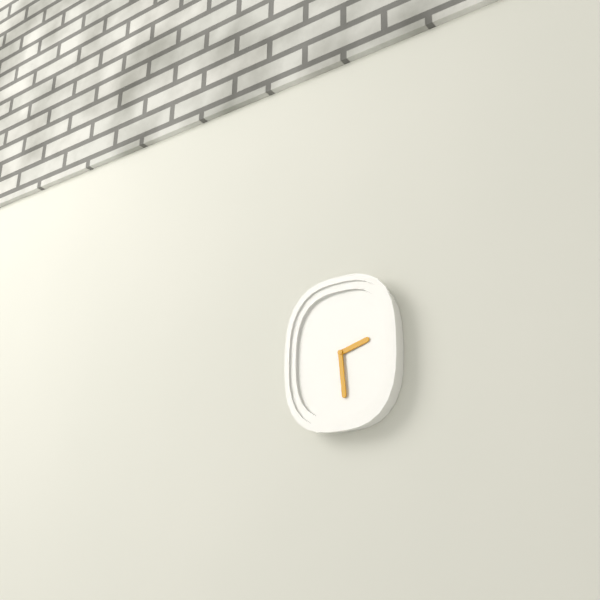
2:29
